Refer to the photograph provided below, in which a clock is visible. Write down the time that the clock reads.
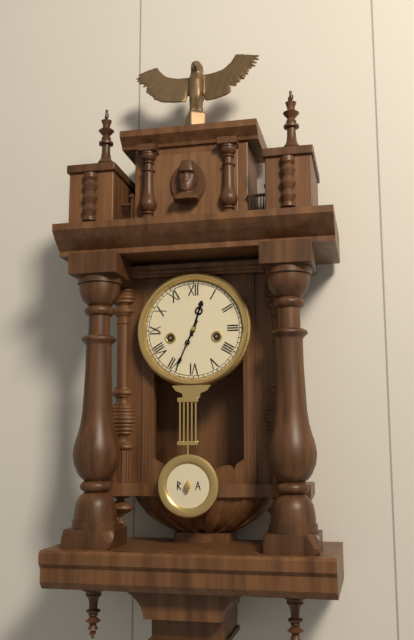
12:34
